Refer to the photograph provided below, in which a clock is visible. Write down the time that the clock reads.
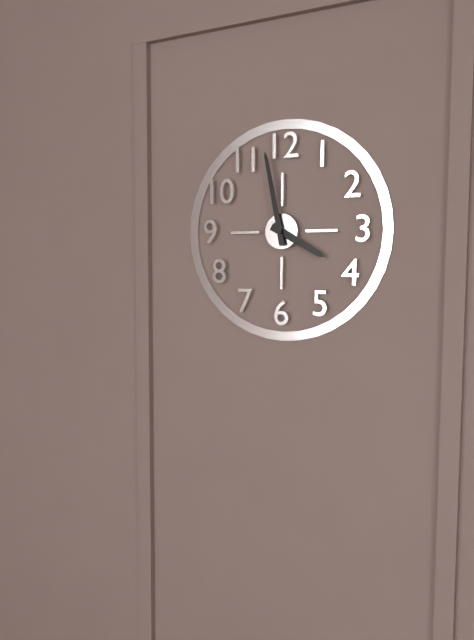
3:58
